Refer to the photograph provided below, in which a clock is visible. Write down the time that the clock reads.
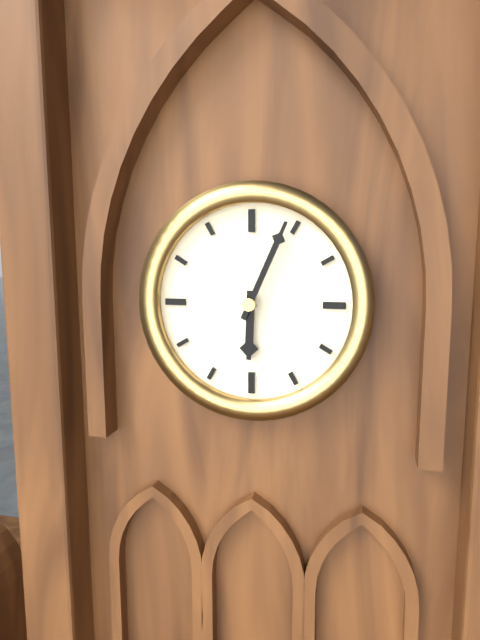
6:04
